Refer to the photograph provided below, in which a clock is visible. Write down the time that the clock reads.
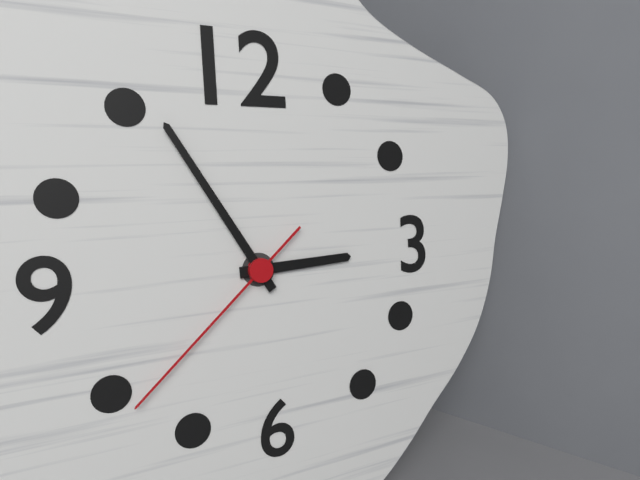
2:55:38
